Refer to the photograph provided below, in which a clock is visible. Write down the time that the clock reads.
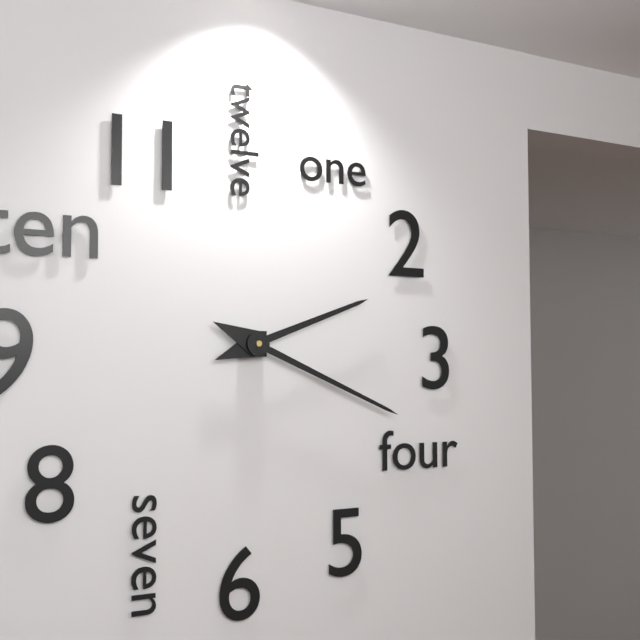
2:19
